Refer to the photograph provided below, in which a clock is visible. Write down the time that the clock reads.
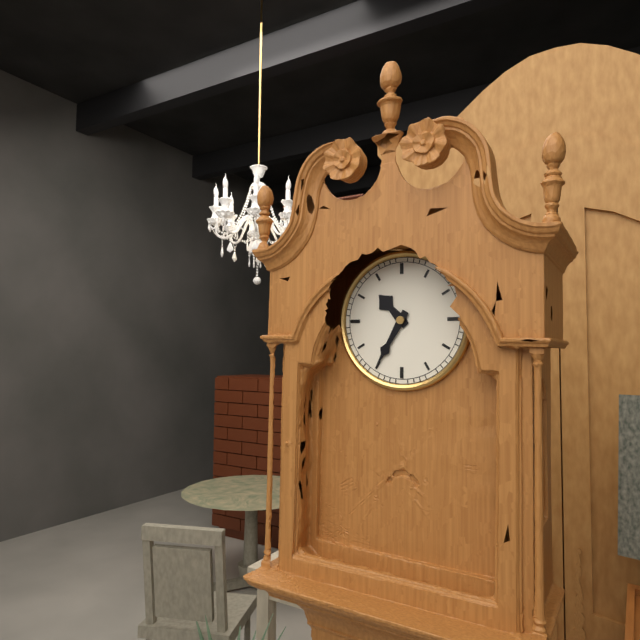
10:35
